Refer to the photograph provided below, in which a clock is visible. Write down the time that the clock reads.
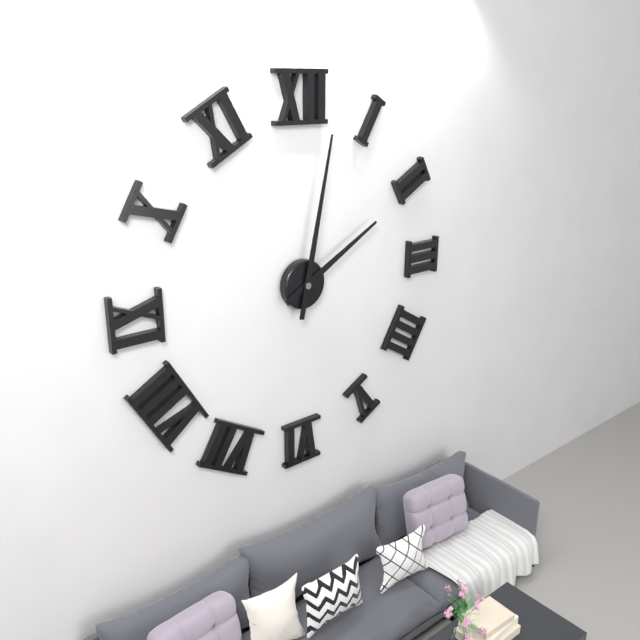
2:02
